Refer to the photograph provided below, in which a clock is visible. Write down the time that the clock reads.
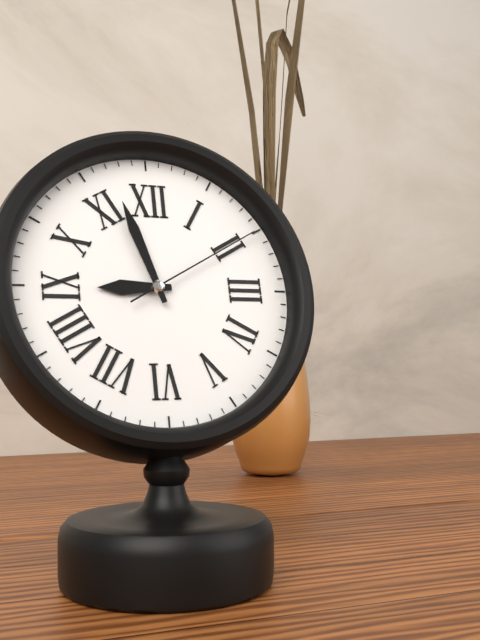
8:57:10
